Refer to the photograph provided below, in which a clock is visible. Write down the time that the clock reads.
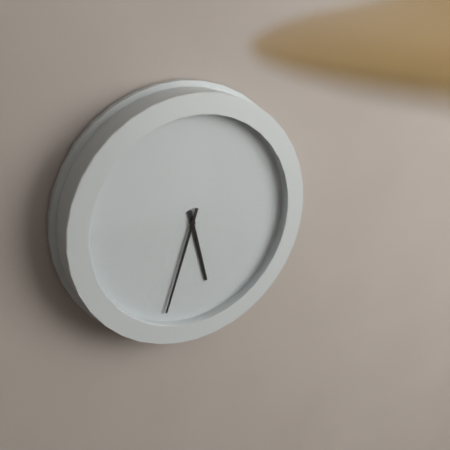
5:33
